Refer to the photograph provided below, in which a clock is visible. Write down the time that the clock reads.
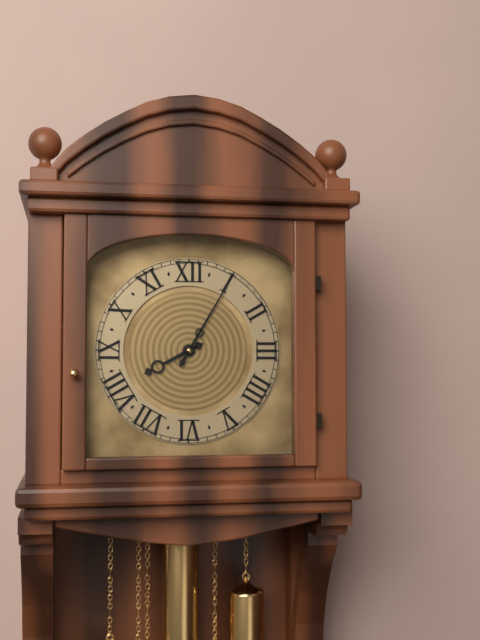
8:05
